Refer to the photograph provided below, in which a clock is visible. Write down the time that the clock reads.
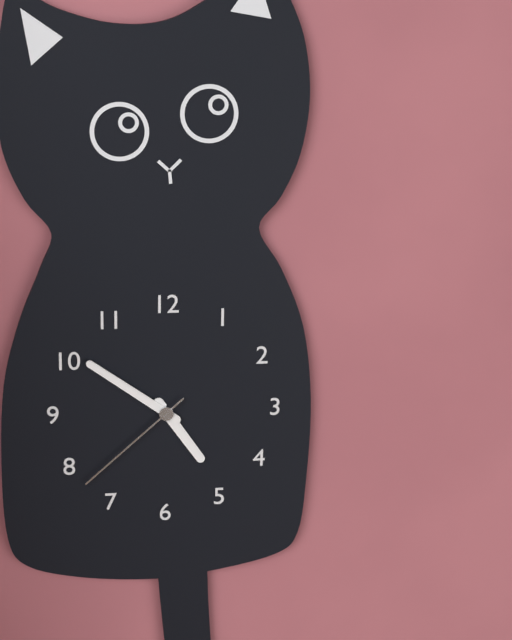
4:51:38
